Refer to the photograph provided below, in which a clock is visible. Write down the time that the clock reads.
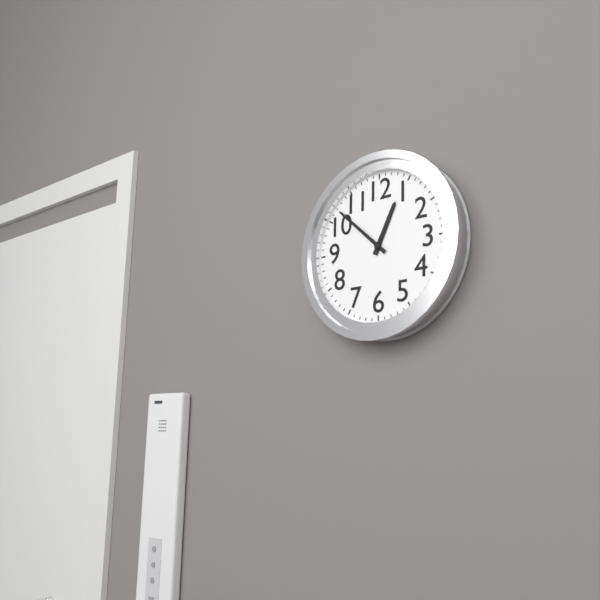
12:52
